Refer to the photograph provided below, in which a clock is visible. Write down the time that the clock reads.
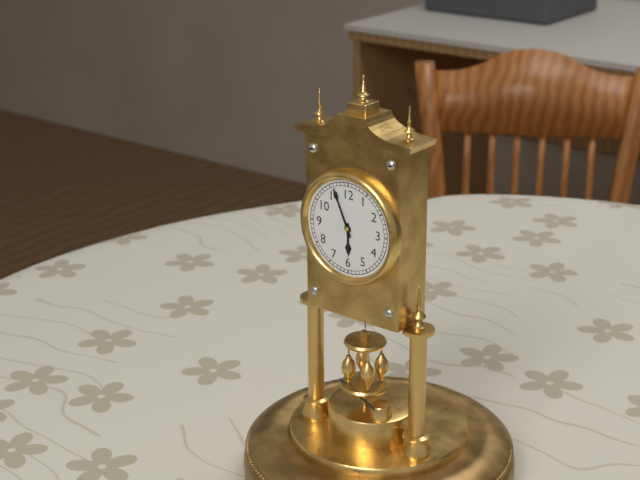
5:56
